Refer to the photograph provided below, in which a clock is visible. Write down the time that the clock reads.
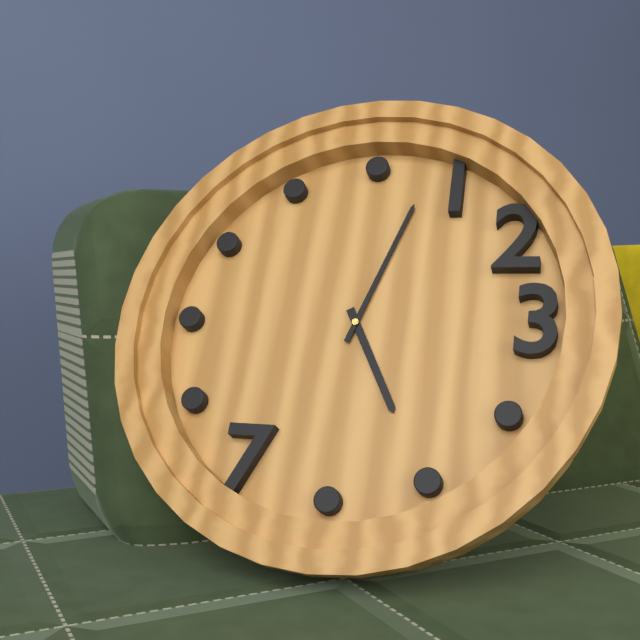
5:03
